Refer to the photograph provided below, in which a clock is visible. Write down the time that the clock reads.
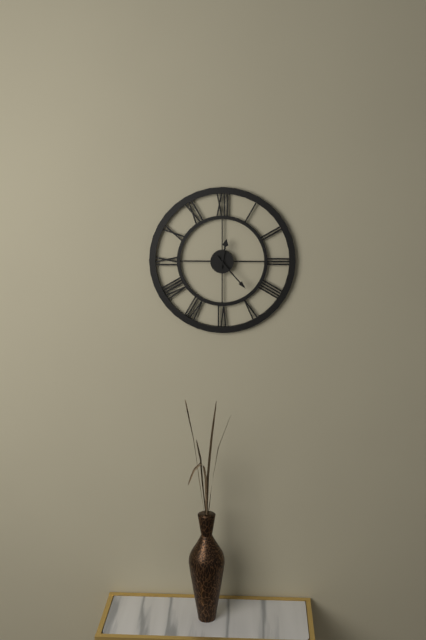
12:23
